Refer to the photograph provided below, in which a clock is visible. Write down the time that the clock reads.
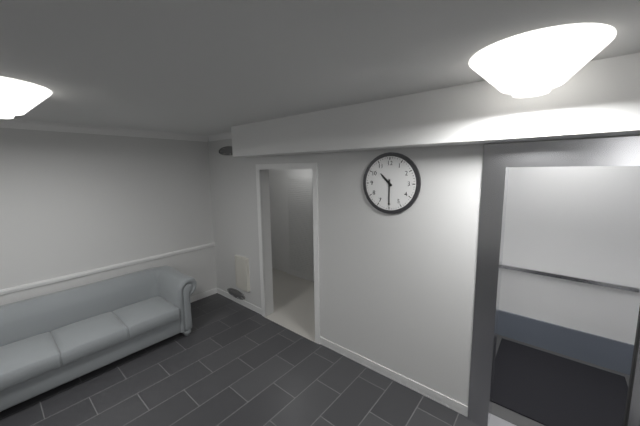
10:30
